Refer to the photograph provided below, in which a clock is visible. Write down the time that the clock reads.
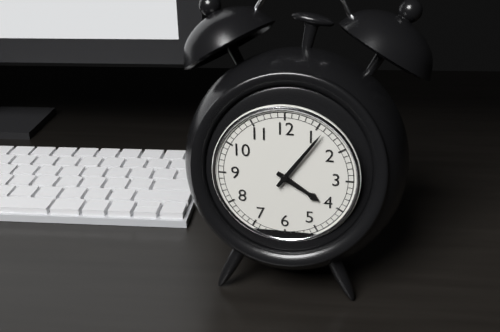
4:06
